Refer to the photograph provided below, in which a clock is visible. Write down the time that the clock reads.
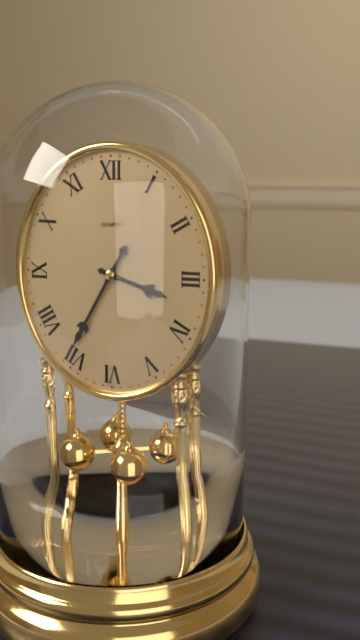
3:35
